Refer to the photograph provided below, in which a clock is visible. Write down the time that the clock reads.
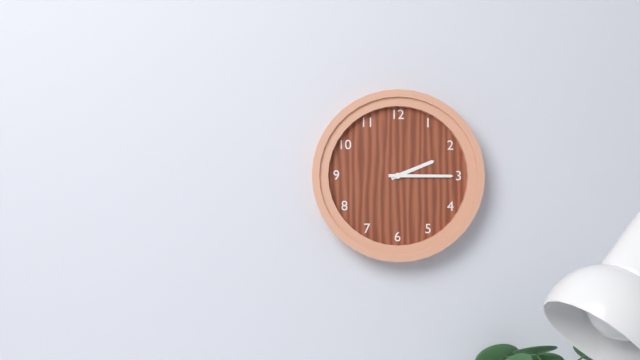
2:15
